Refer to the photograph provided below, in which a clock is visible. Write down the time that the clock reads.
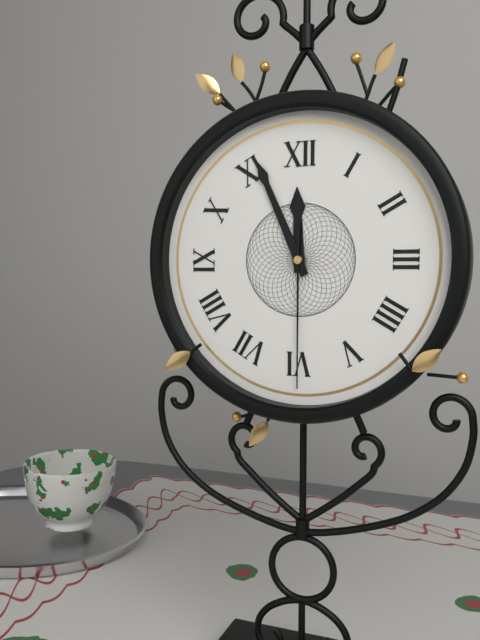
11:56:30
